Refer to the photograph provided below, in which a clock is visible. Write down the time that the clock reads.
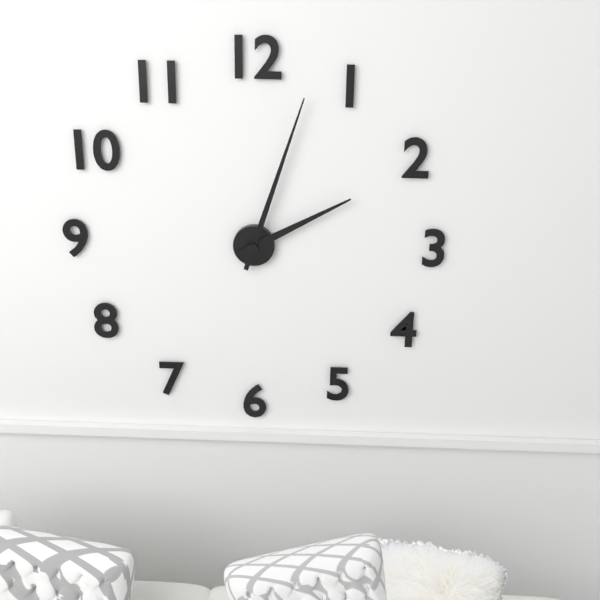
2:03
